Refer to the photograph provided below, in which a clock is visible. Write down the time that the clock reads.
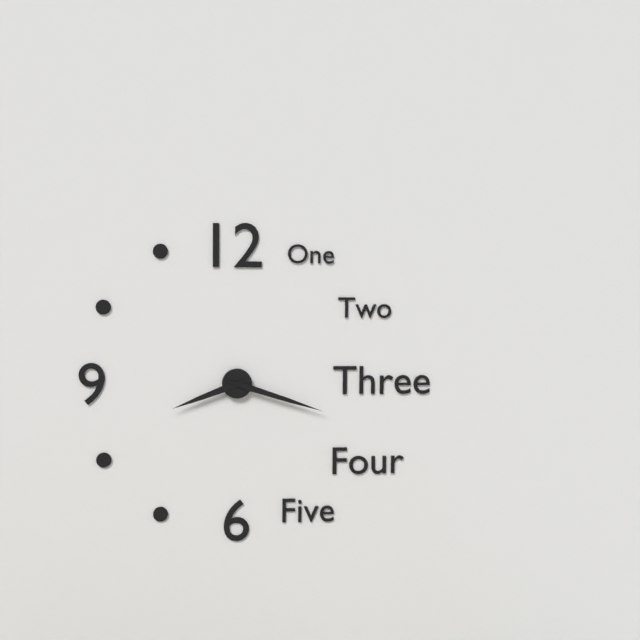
8:18
